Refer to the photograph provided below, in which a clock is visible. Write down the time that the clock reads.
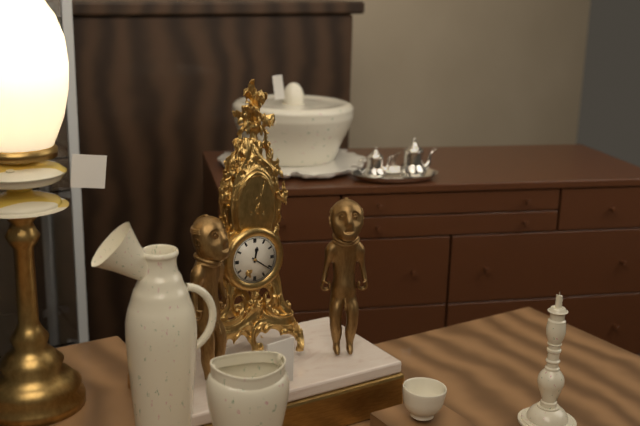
12:21
